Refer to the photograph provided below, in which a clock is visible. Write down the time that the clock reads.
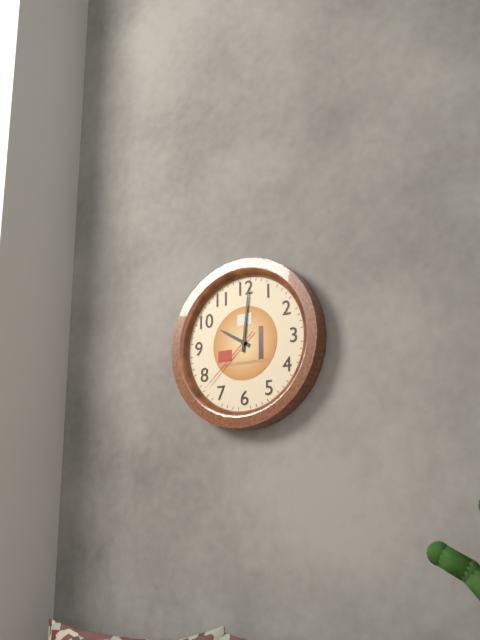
10:01:38
